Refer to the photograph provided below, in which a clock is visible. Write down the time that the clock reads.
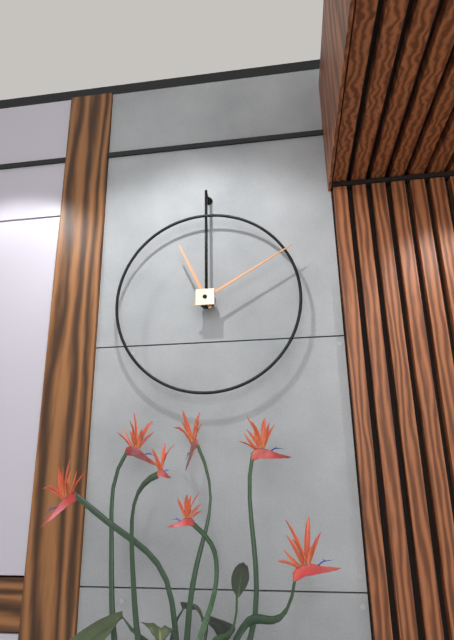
11:10
